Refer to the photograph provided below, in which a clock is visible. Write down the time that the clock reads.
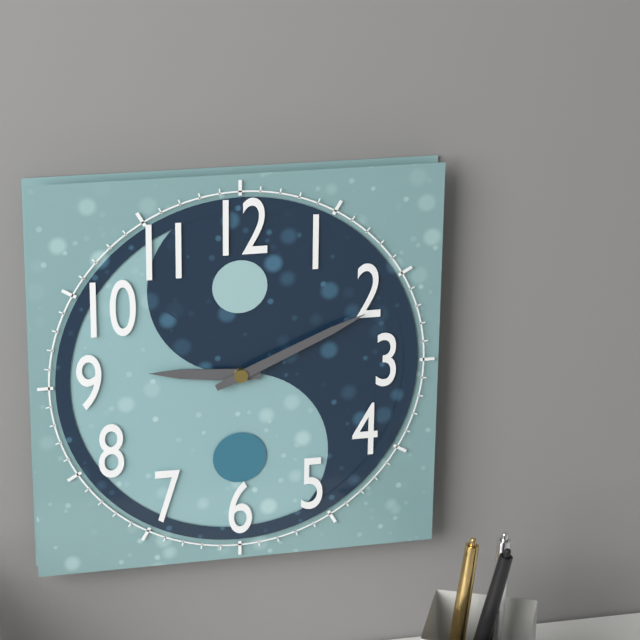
9:11
